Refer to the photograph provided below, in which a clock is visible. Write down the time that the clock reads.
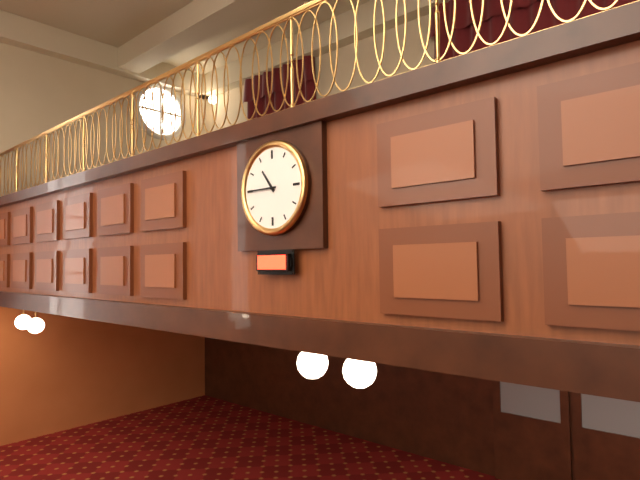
10:45
